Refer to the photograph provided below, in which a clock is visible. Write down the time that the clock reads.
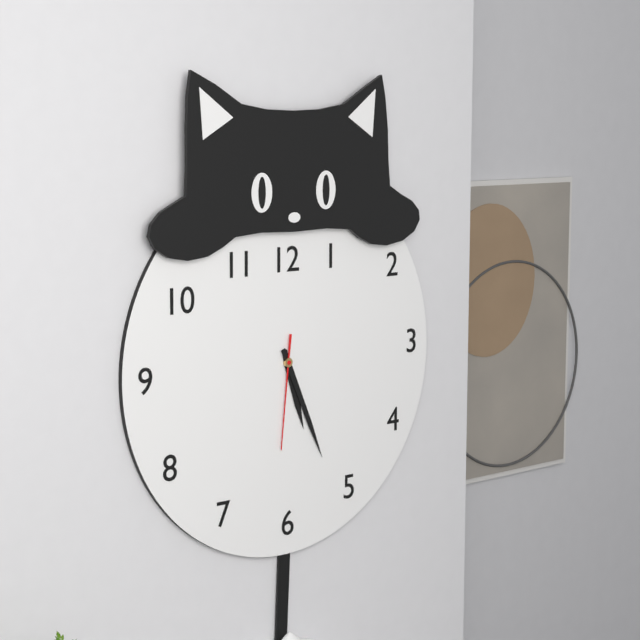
5:26:31
